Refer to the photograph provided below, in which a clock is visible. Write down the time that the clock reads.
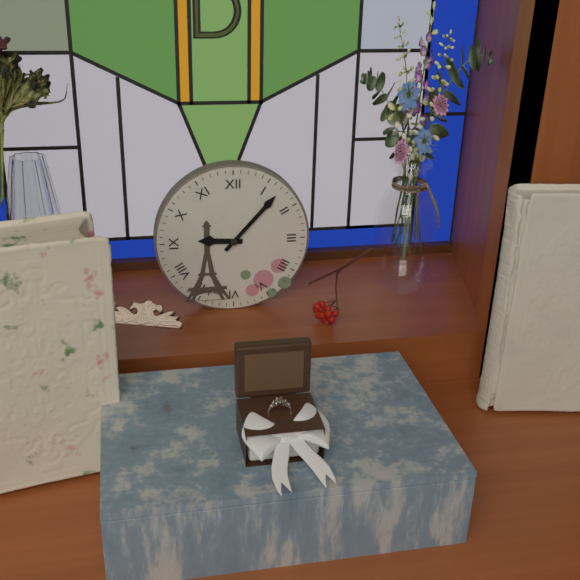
9:07
